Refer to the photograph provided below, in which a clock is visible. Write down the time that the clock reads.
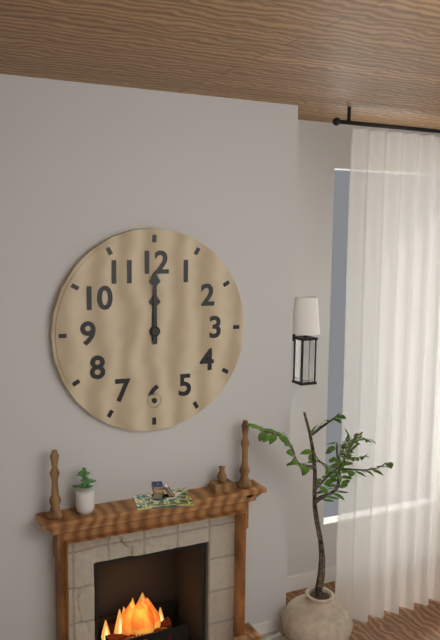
12:00
